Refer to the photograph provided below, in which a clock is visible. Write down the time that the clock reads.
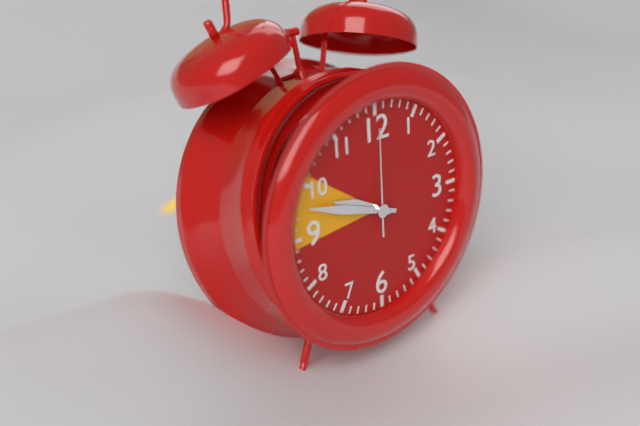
9:48:00
